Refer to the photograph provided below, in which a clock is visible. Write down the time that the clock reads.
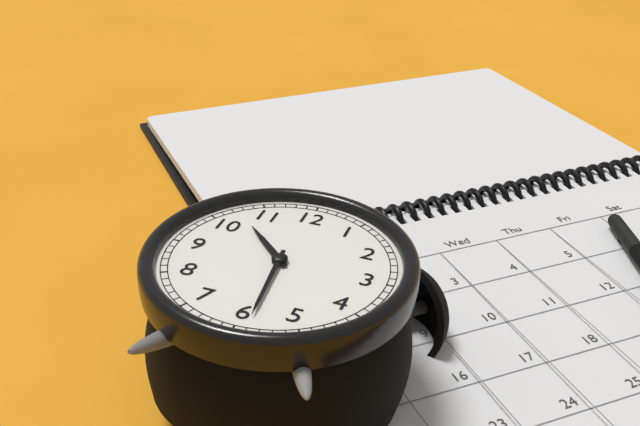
10:29
